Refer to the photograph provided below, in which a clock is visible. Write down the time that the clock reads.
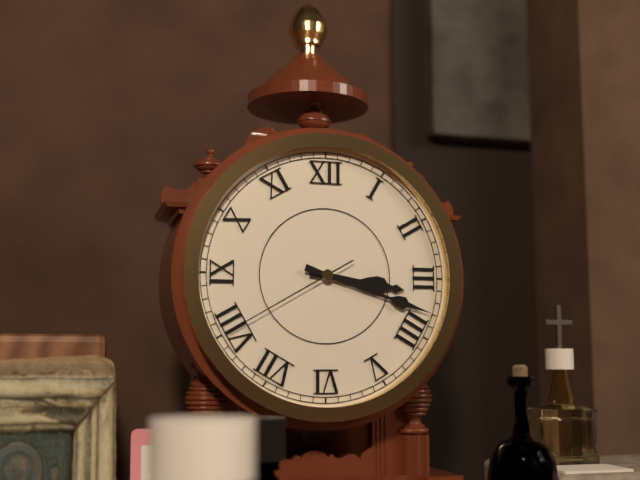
3:18:40
